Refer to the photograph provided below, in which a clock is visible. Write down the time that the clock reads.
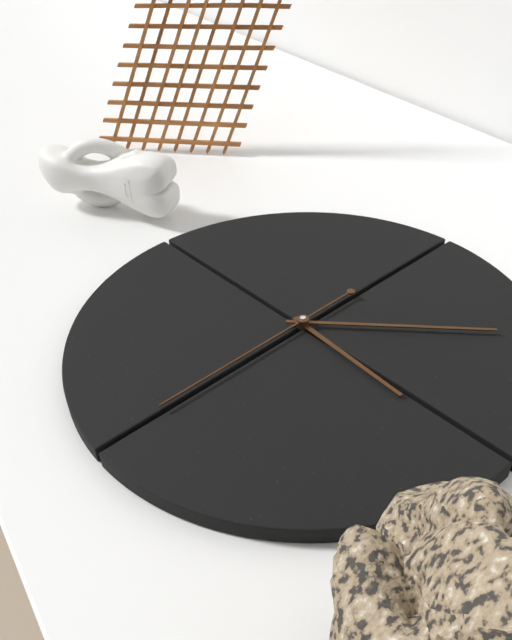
3:08:30
